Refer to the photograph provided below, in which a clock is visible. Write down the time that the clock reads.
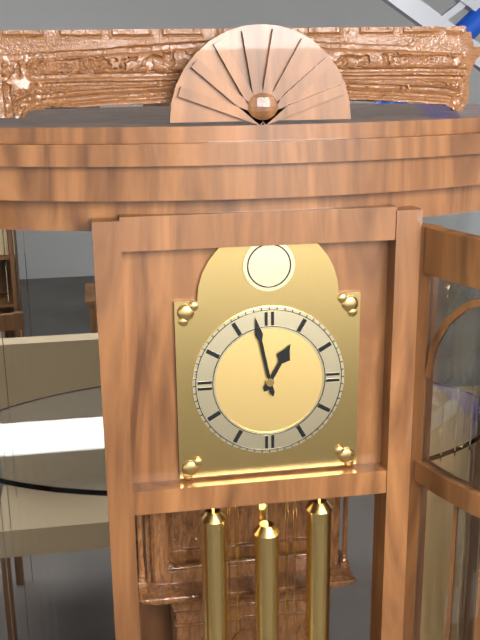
12:58
